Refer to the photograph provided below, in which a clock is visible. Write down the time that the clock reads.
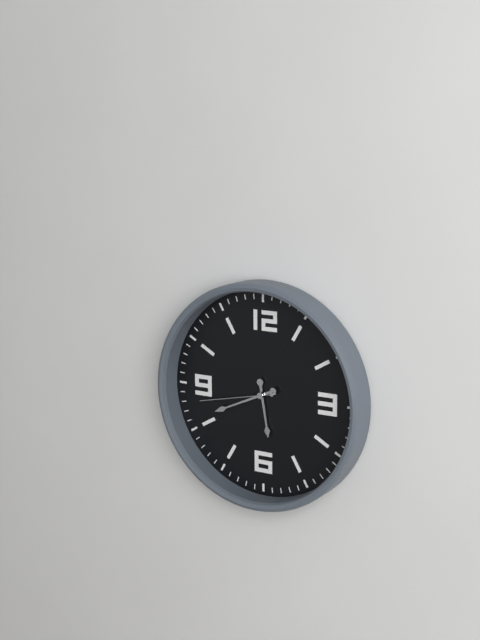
5:41:43
